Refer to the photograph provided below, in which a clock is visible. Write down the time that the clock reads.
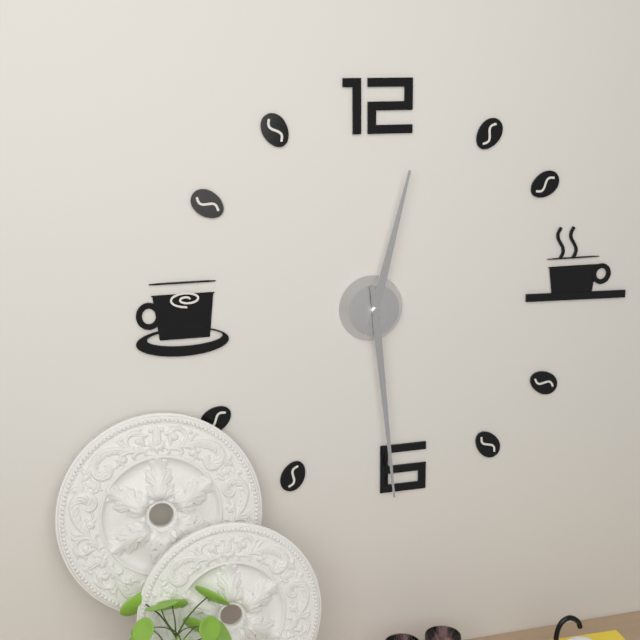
12:29
